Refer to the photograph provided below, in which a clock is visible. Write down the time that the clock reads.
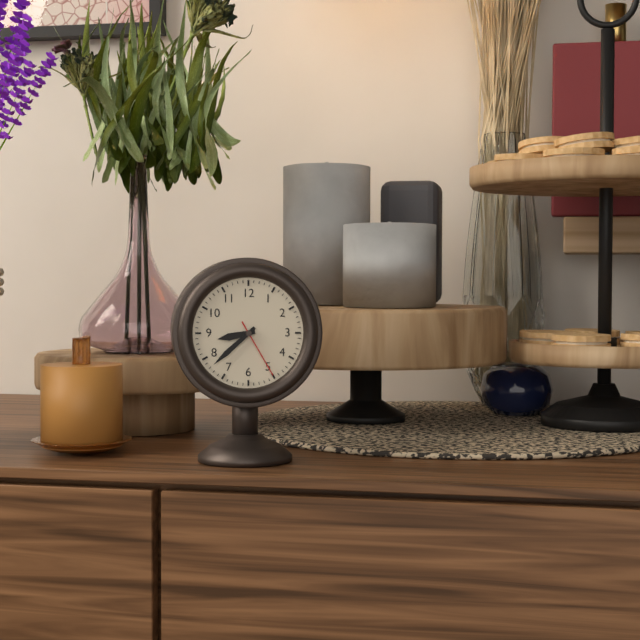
8:38:25
